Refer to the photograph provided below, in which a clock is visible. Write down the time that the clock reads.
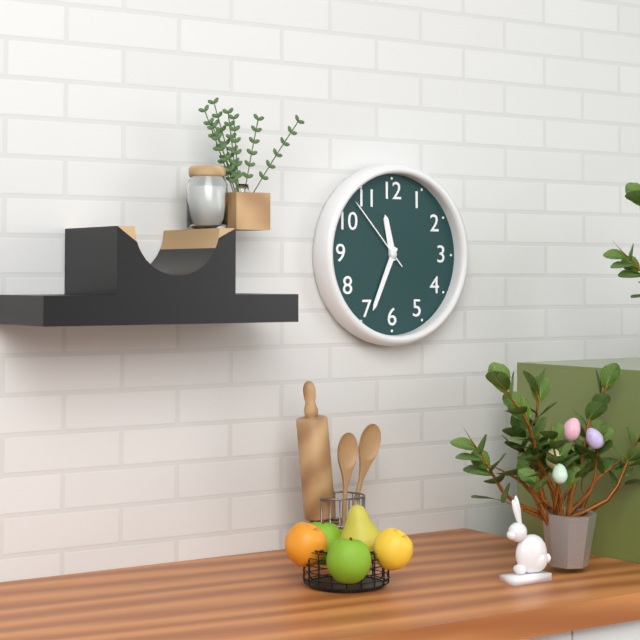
11:34:53
